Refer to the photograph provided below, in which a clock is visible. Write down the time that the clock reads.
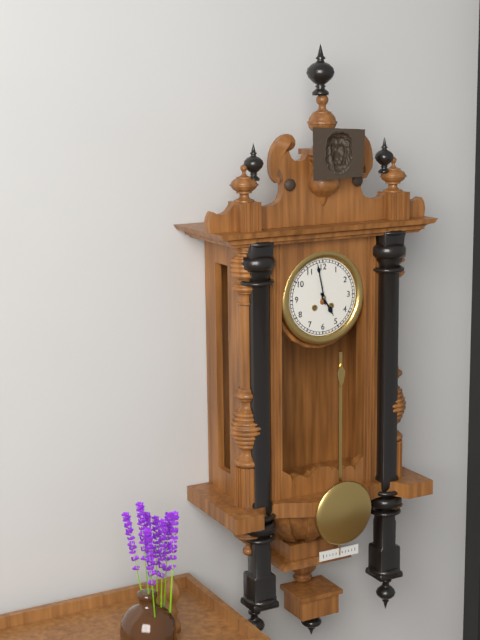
4:58
